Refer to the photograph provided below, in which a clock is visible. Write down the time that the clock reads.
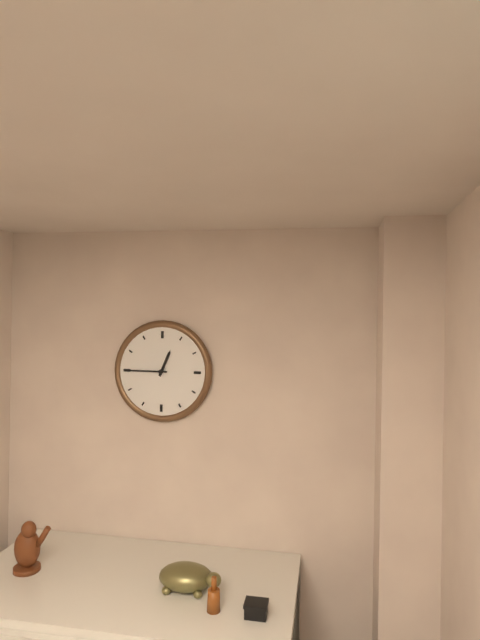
12:45
